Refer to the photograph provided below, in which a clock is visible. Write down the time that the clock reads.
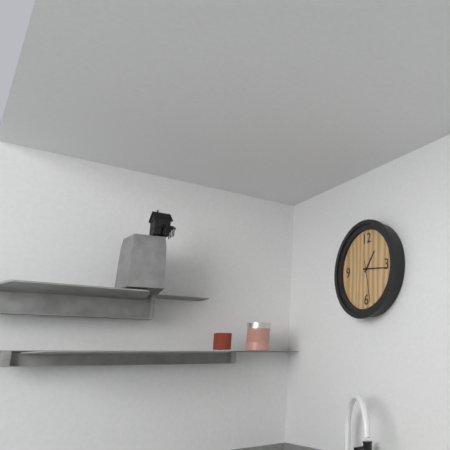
1:16
